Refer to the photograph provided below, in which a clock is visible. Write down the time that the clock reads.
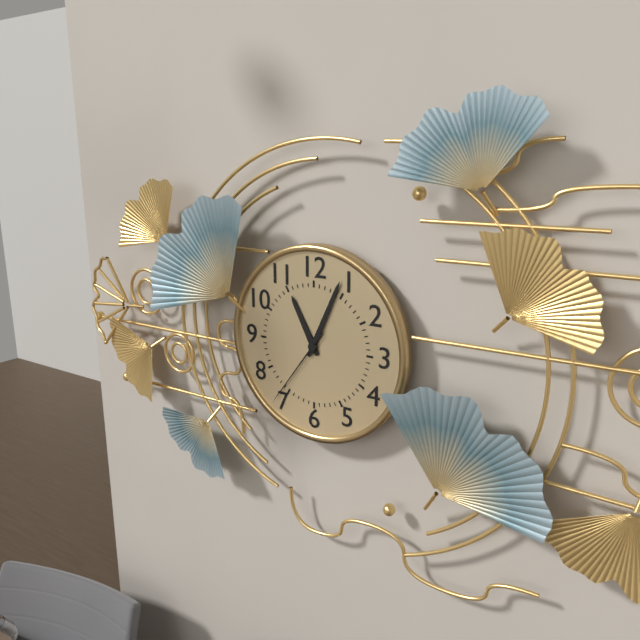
11:04:36
